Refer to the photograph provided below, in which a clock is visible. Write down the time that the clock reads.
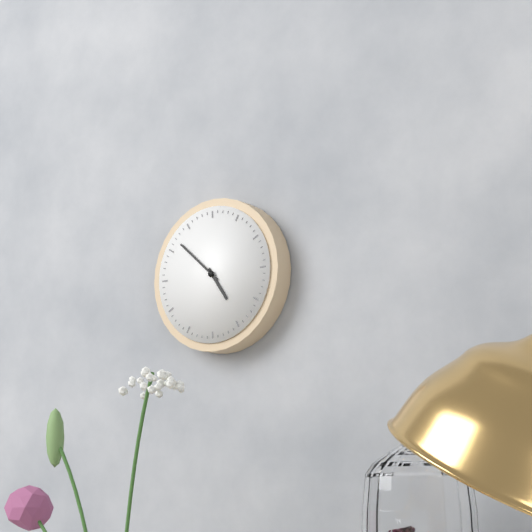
4:52
